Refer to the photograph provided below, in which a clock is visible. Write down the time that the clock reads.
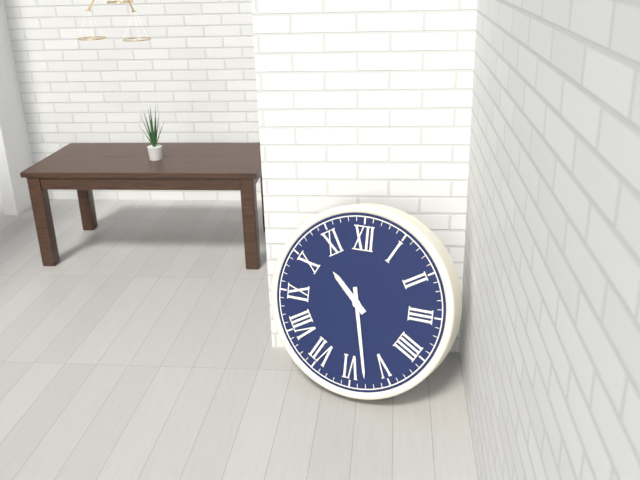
10:28
